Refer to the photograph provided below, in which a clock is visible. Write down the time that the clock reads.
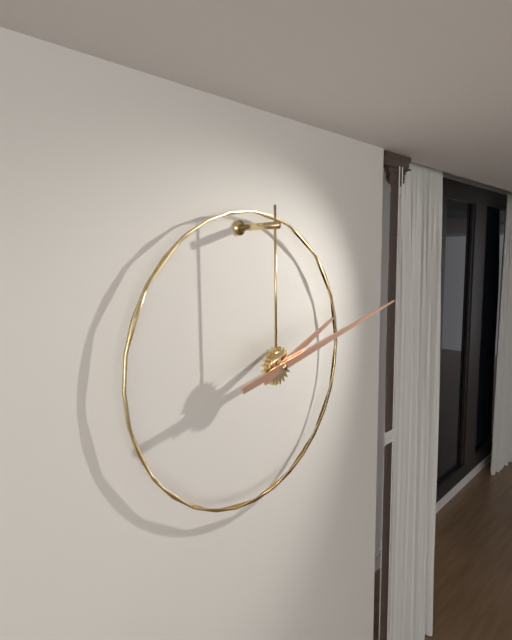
2:13
